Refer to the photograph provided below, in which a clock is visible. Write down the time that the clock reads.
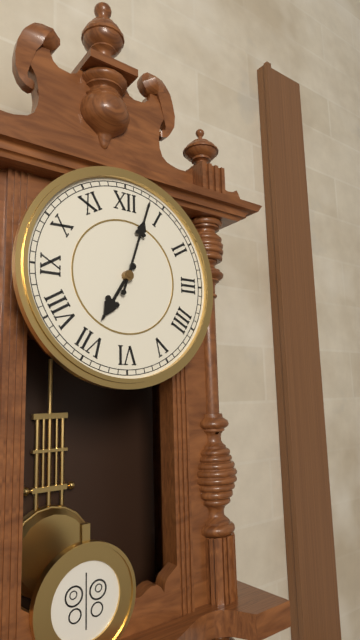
7:03
